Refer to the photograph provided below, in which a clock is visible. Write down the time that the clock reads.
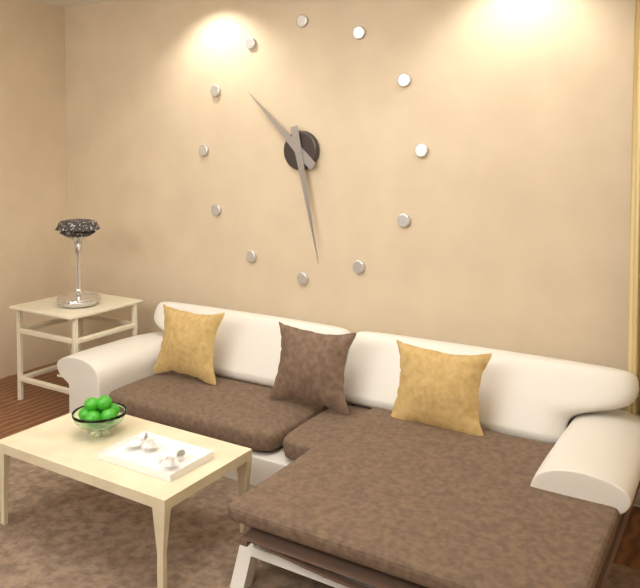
10:28
